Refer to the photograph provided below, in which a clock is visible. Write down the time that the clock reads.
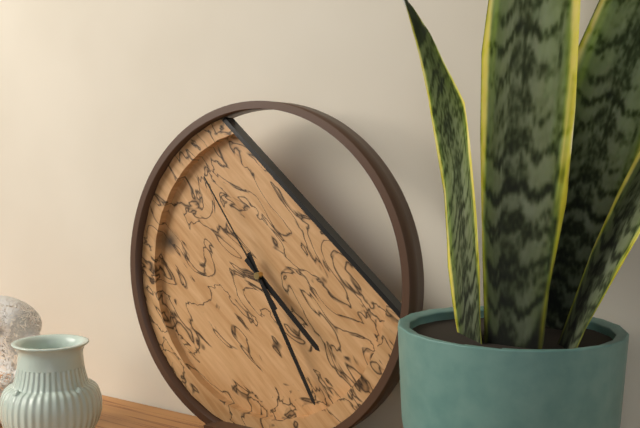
4:25:54
